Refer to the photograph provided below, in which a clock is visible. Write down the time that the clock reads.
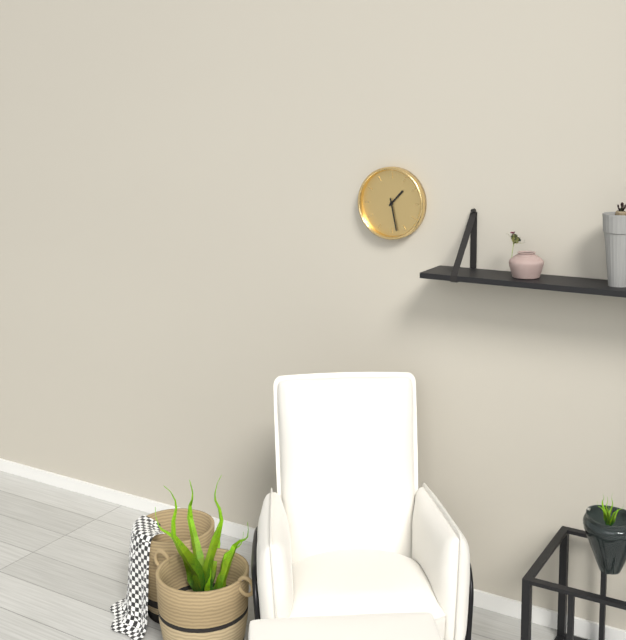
1:28
